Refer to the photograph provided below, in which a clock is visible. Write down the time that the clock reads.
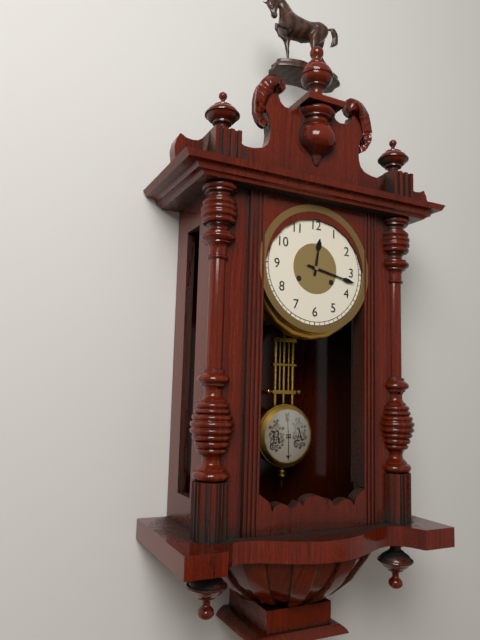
12:17
